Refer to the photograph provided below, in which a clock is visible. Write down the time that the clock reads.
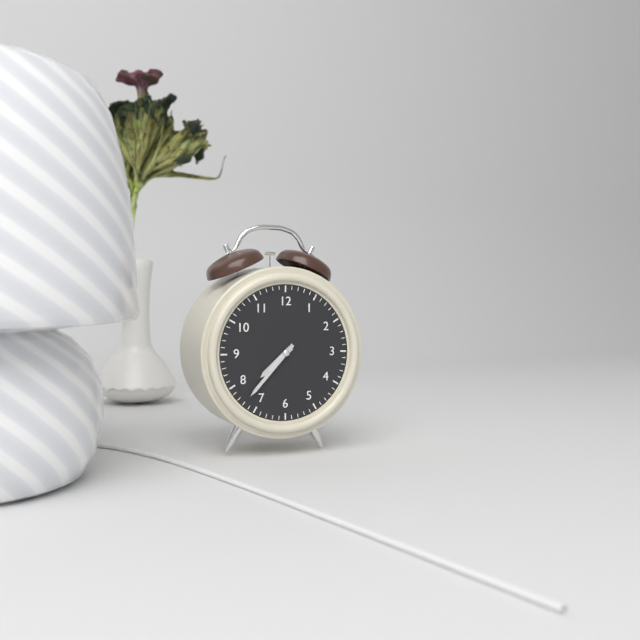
7:37
